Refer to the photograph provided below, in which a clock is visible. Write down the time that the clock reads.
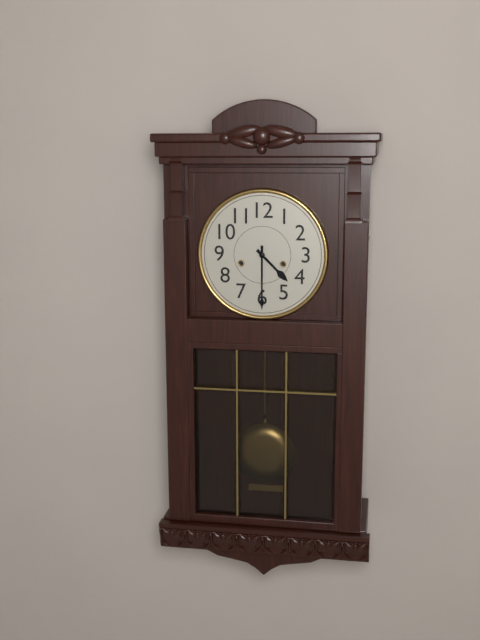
4:30
